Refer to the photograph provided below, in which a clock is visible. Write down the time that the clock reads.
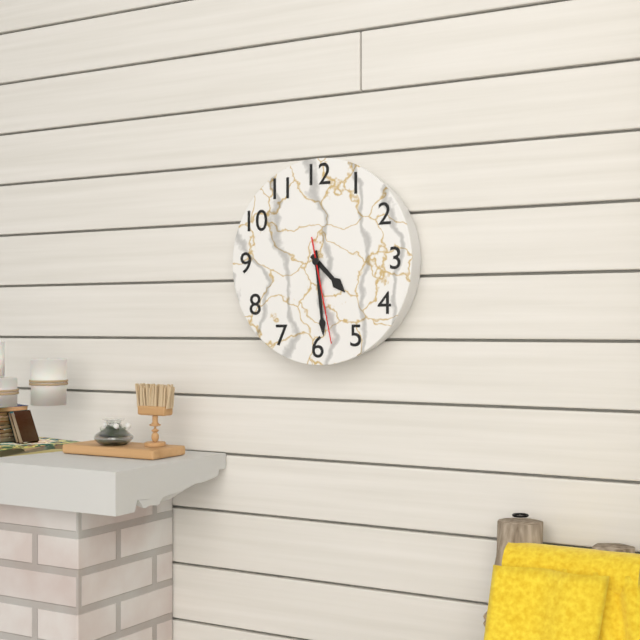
4:29:28
